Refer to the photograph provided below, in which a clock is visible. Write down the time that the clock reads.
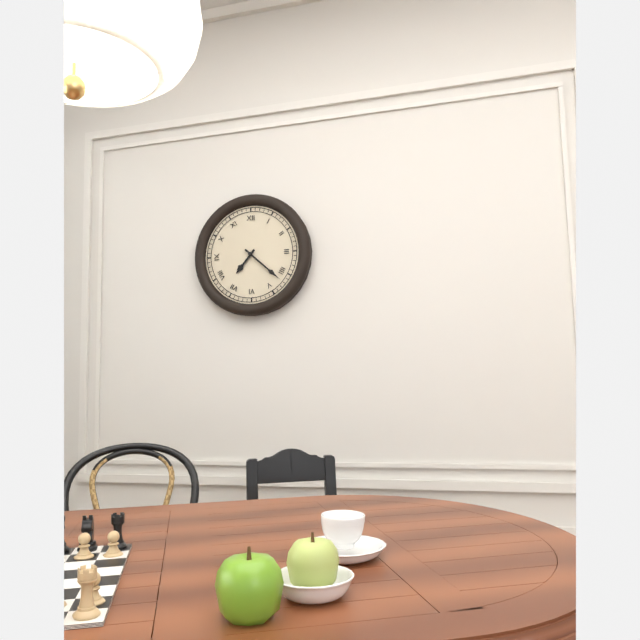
7:22
